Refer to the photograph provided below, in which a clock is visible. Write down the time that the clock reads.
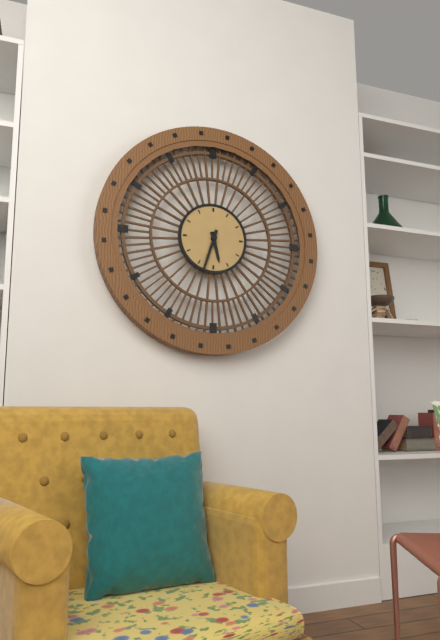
5:33
